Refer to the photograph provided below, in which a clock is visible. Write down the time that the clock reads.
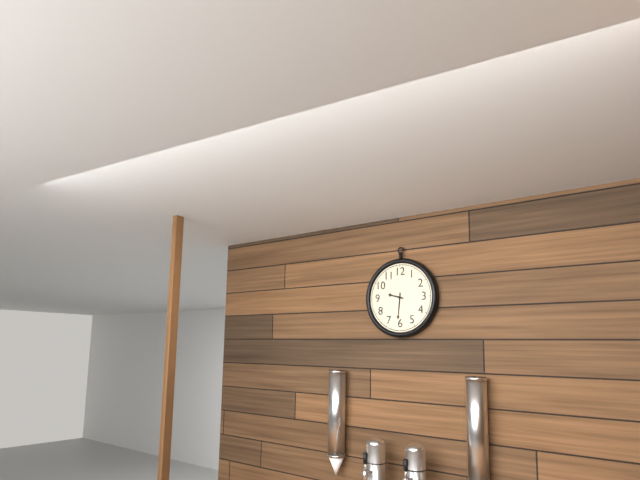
9:31
